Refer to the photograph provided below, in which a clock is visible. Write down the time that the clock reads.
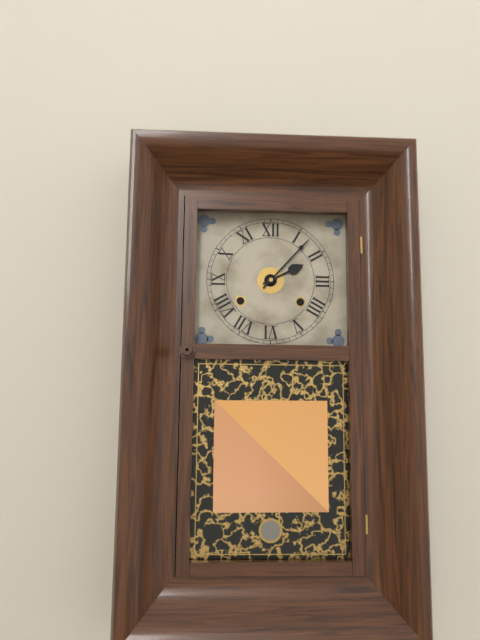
2:07
